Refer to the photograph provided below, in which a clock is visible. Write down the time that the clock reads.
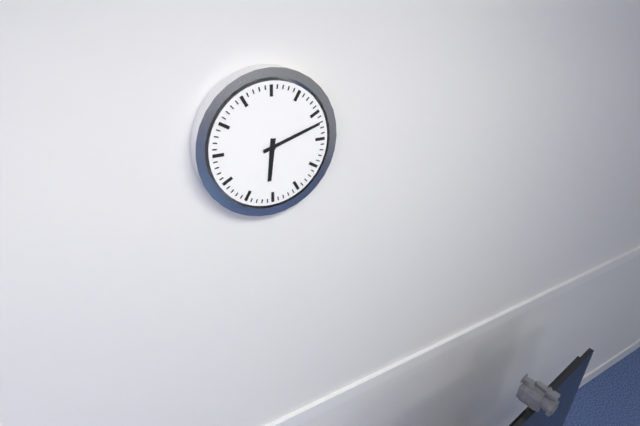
6:12
